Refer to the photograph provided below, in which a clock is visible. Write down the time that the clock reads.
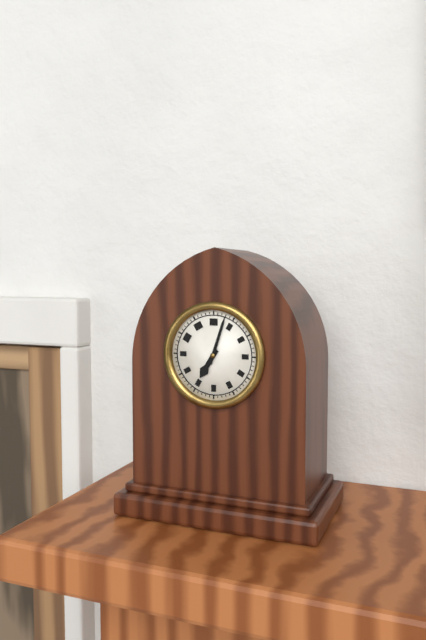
7:03
